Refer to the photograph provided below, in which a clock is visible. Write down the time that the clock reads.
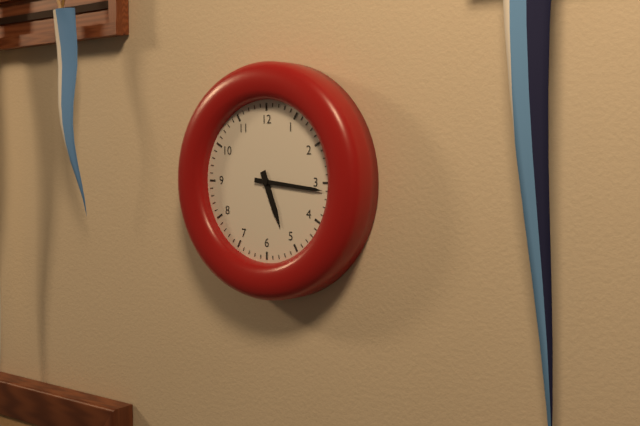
5:16
